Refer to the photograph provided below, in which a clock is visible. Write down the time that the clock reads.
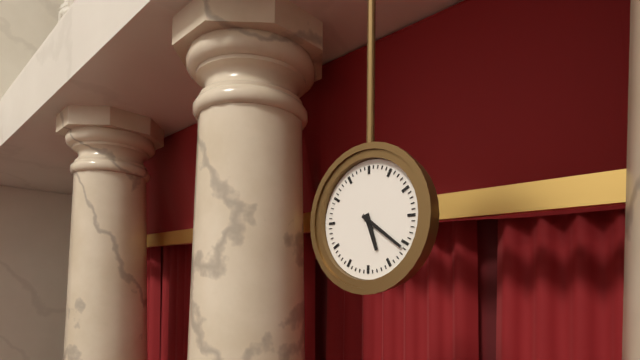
5:21
